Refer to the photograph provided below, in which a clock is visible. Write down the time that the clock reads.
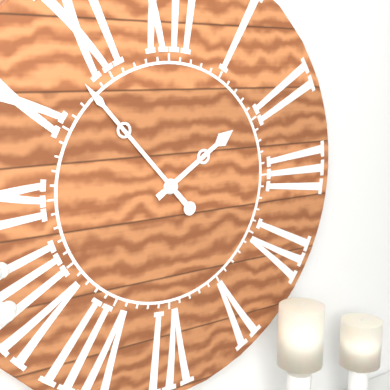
1:53
